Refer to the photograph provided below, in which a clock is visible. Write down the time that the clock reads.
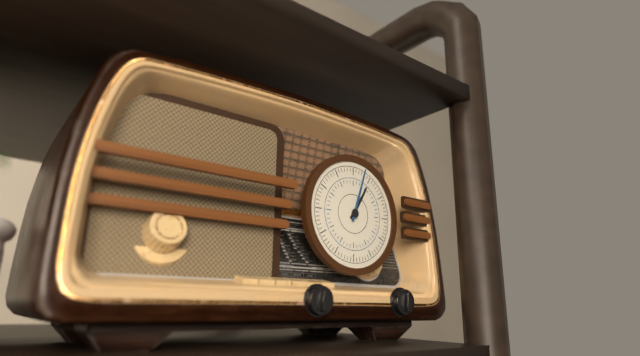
1:03
